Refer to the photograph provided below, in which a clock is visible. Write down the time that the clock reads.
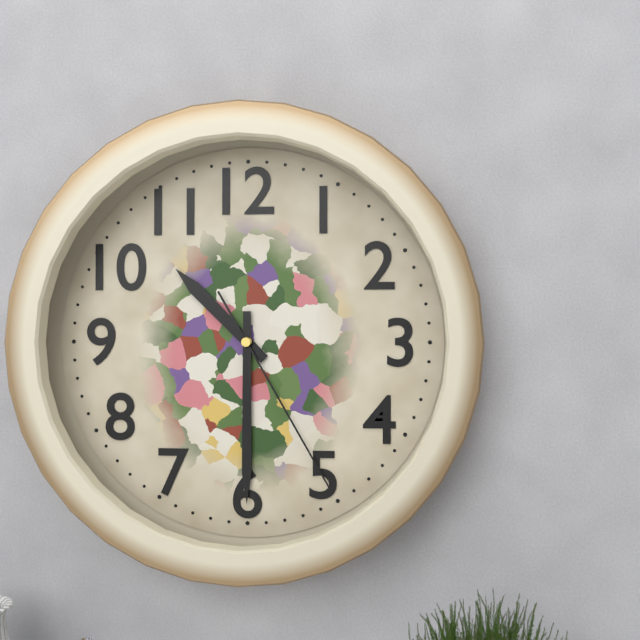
10:30:25
